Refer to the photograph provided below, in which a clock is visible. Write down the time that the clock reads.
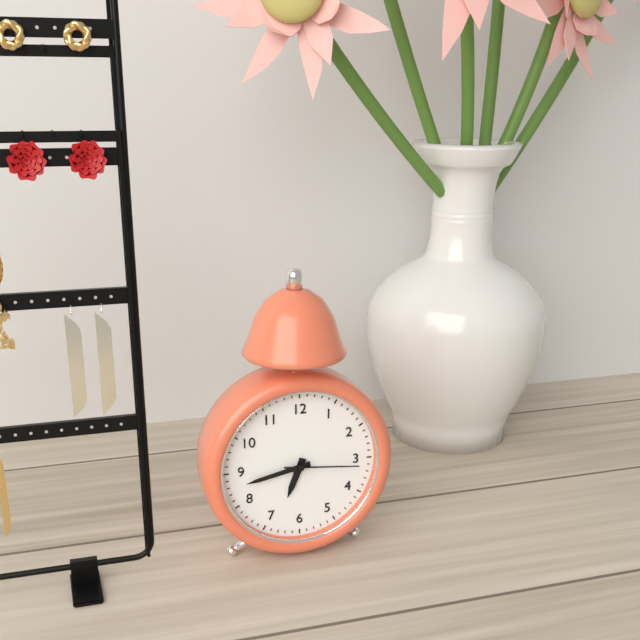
6:43:16
